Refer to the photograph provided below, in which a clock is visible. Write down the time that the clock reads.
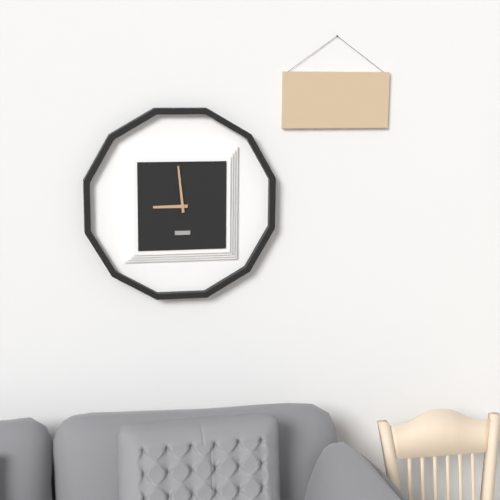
8:59
